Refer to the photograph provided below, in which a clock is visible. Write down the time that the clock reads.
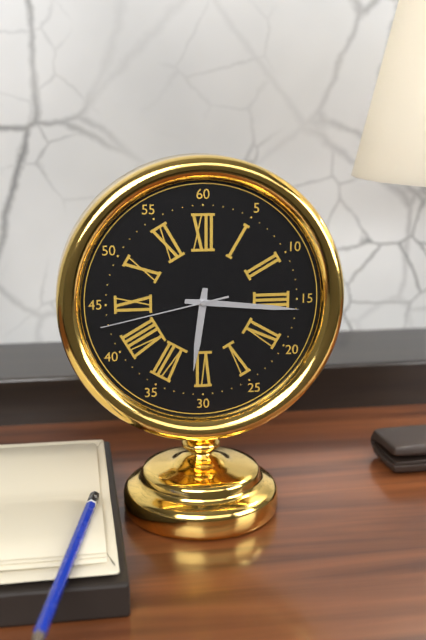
6:16:43
